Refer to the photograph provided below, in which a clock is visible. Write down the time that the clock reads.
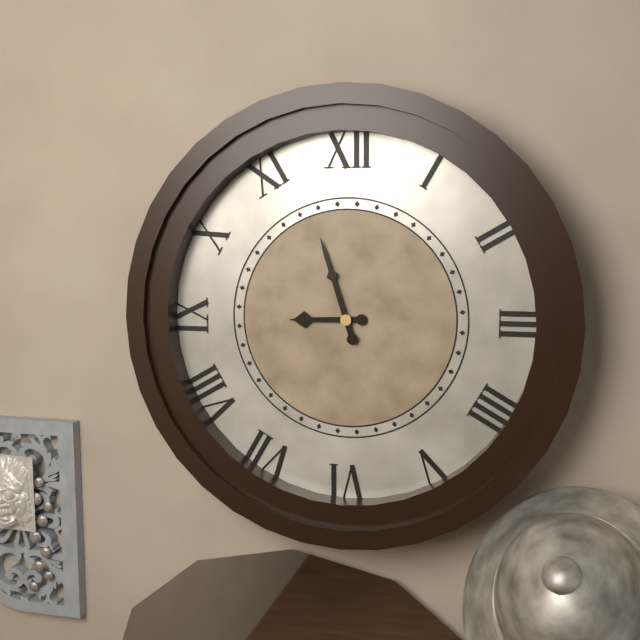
8:57
